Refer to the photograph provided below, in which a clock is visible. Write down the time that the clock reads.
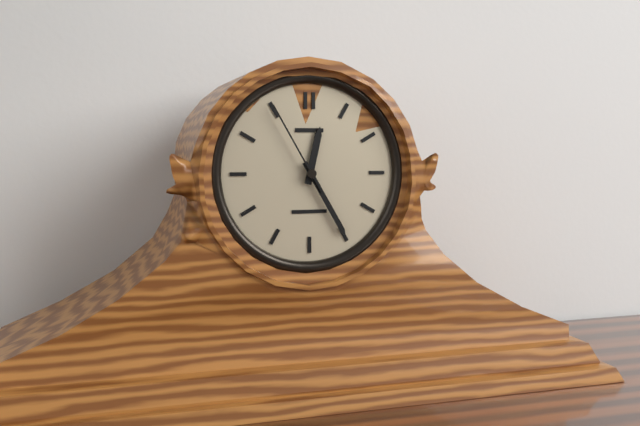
12:25:55
